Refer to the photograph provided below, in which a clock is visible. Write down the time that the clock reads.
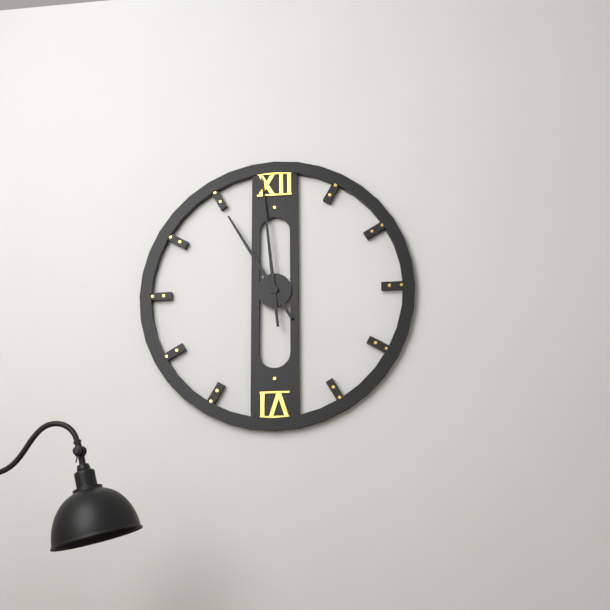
10:59
